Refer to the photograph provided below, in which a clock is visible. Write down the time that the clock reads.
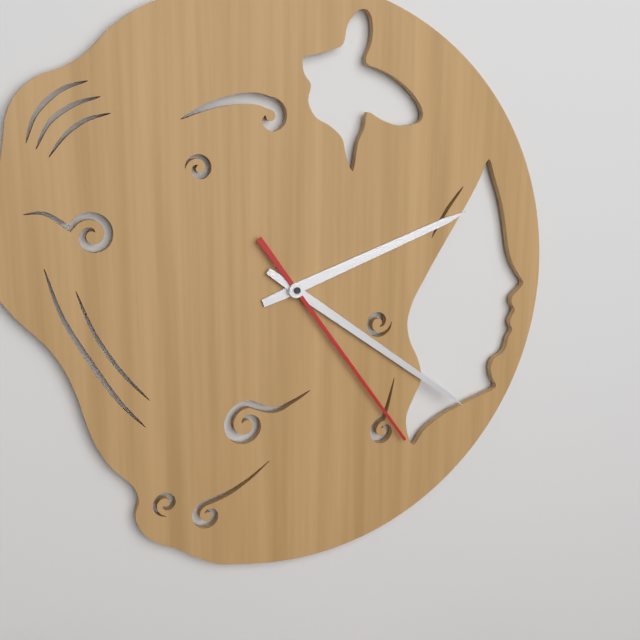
2:21:24
